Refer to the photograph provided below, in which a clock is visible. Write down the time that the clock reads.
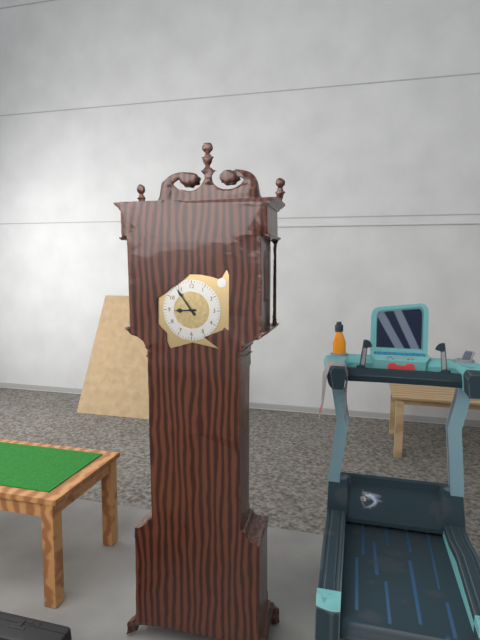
8:54
